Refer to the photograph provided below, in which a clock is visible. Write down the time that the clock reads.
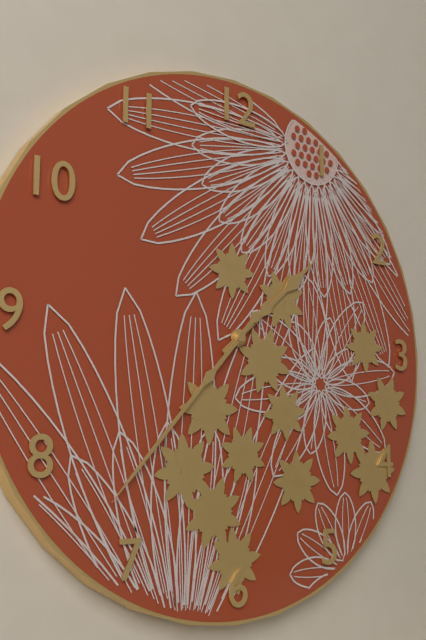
1:37
